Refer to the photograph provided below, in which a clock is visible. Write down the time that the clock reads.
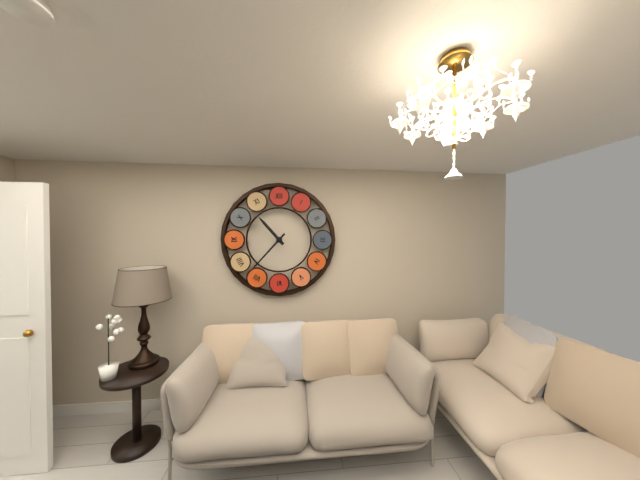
10:37
